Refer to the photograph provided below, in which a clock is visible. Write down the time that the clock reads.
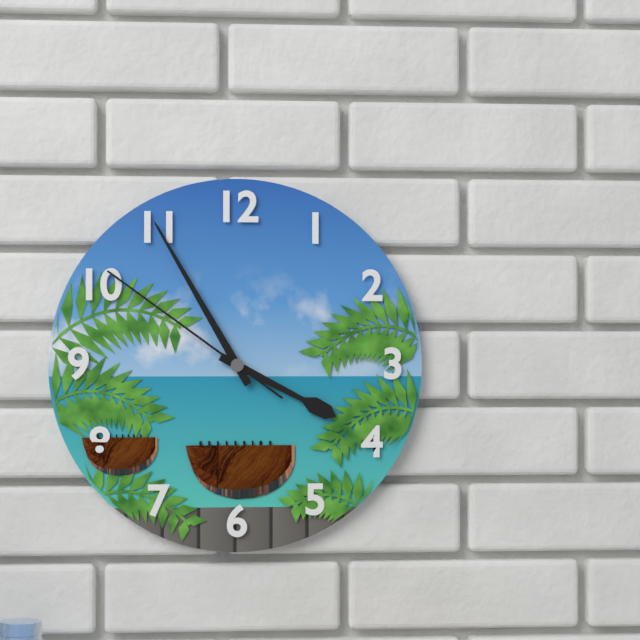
3:55:51
